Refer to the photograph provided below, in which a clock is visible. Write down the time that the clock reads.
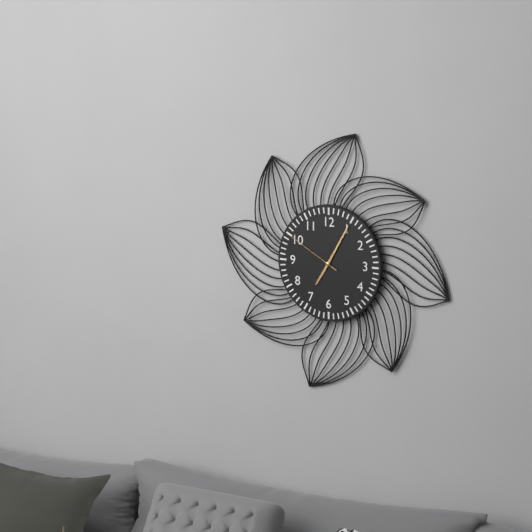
7:05:50
